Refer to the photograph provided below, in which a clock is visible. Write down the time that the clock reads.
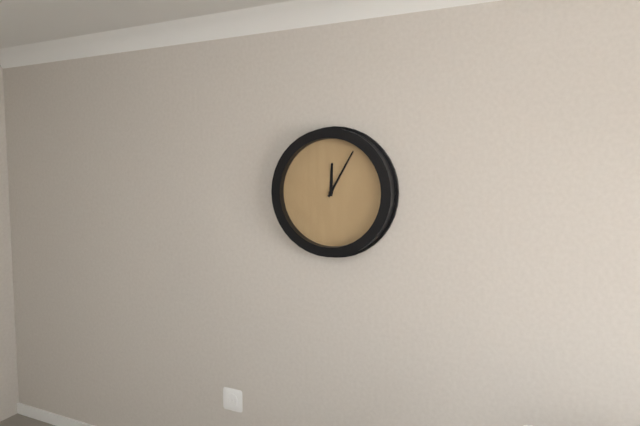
12:05
